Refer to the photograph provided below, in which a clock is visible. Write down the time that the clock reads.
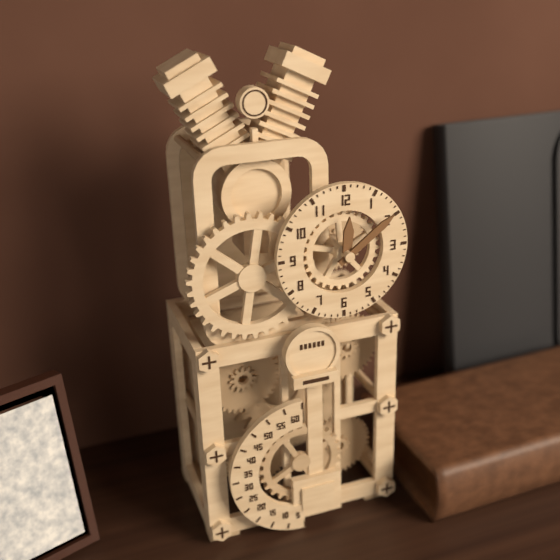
12:09
